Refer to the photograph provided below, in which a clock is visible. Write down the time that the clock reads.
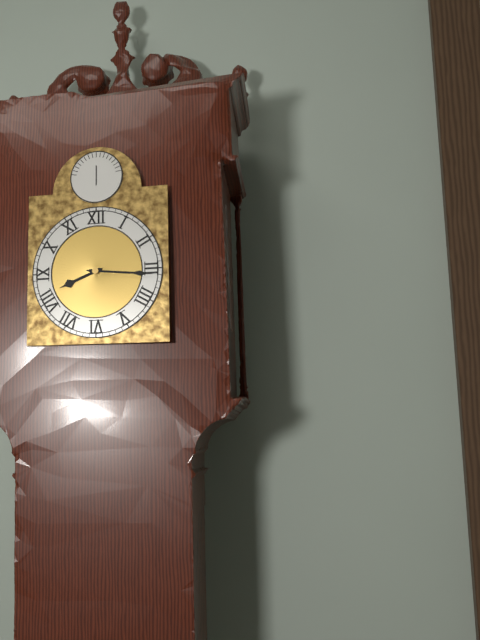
8:16
